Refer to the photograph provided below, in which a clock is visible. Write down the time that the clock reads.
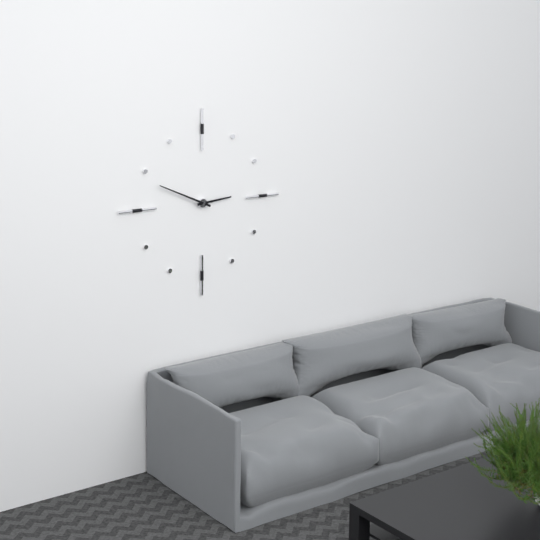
2:49
